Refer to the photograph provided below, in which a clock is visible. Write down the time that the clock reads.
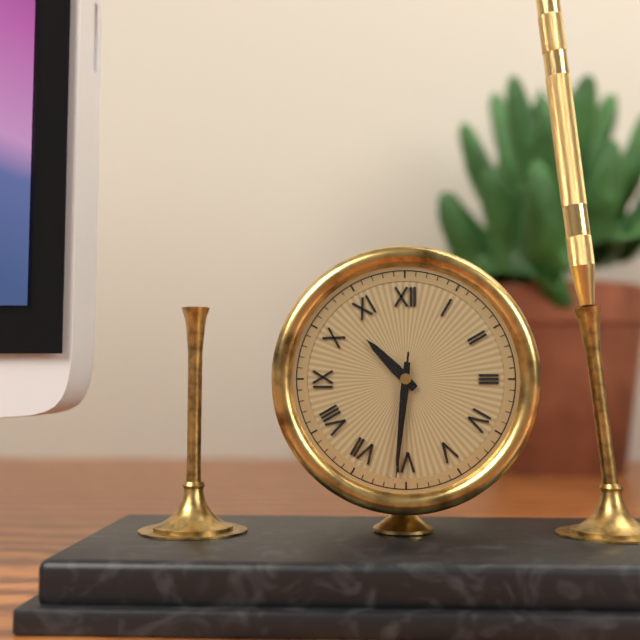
10:31:31
